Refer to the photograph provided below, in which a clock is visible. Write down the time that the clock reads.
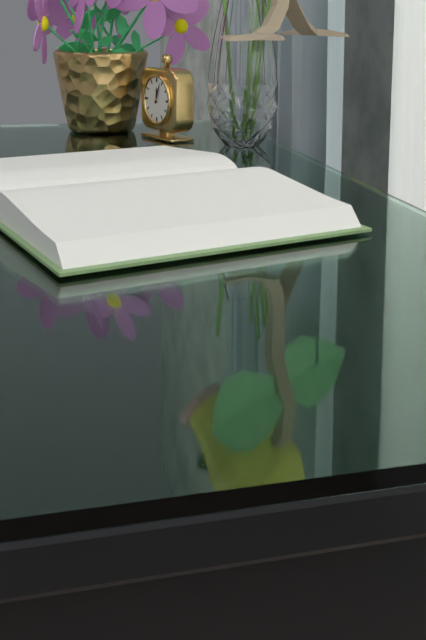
12:04
